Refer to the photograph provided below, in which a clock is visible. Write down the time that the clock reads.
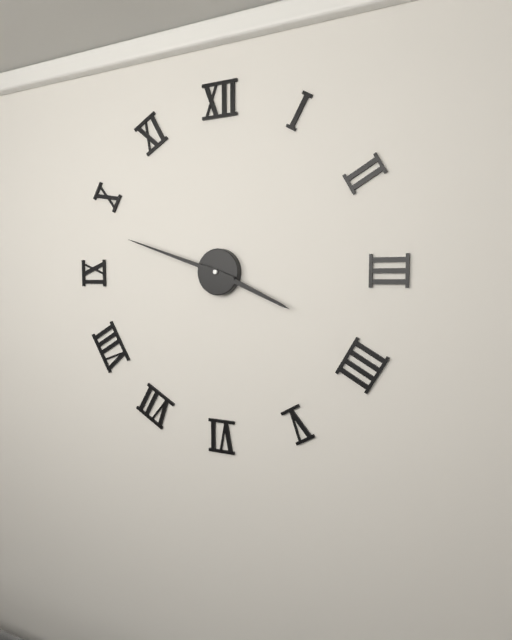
3:48
